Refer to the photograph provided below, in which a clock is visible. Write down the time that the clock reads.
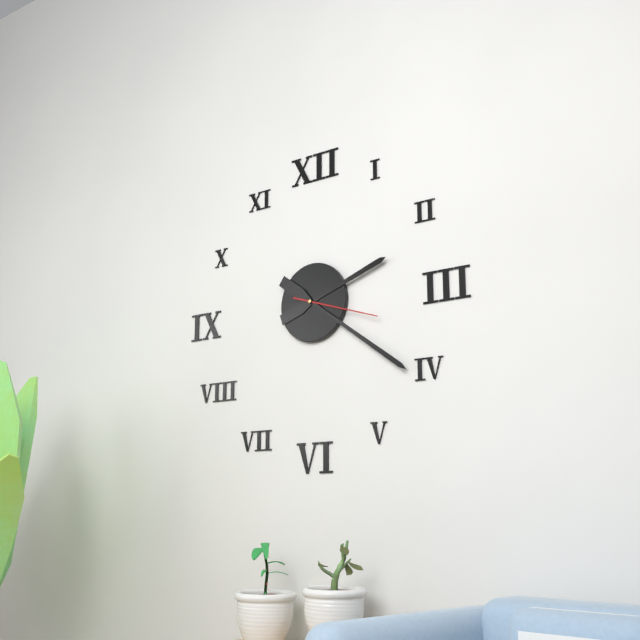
2:21:18
